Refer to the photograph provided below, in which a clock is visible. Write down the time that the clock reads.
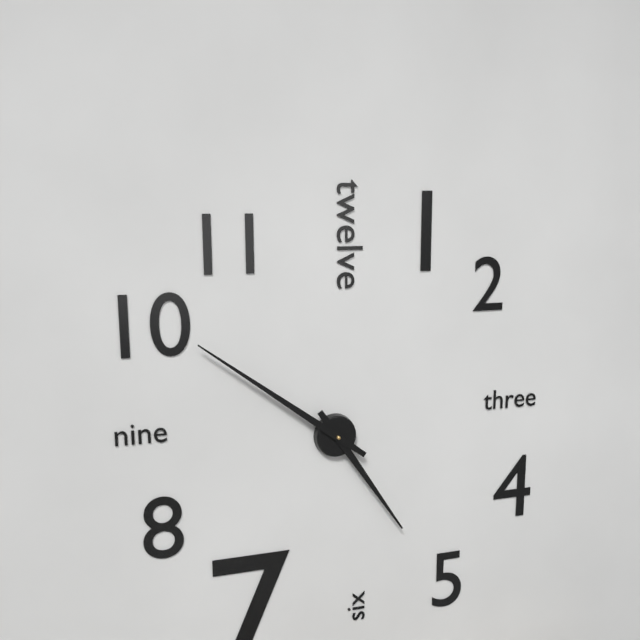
4:51
